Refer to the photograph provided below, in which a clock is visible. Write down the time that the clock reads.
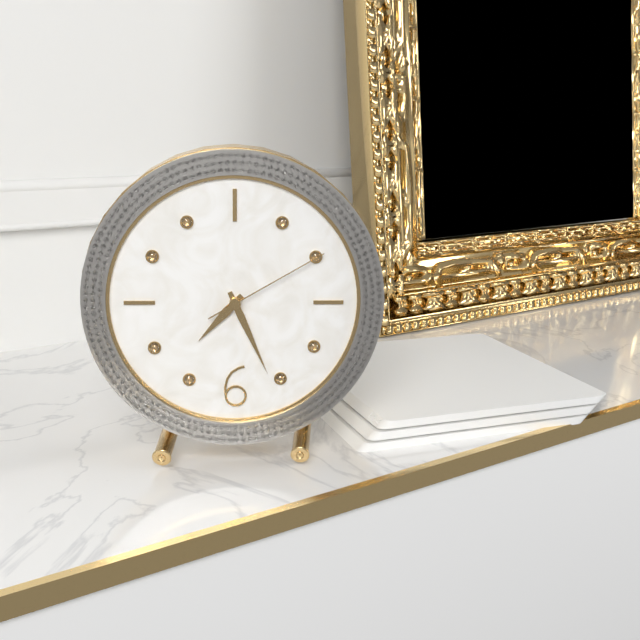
7:26:10
